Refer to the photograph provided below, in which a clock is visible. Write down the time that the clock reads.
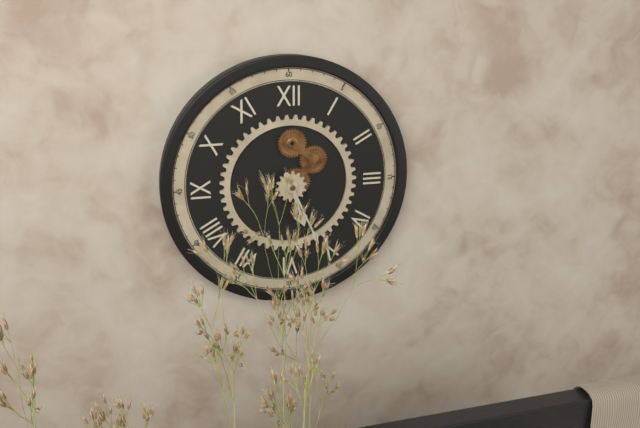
5:26
